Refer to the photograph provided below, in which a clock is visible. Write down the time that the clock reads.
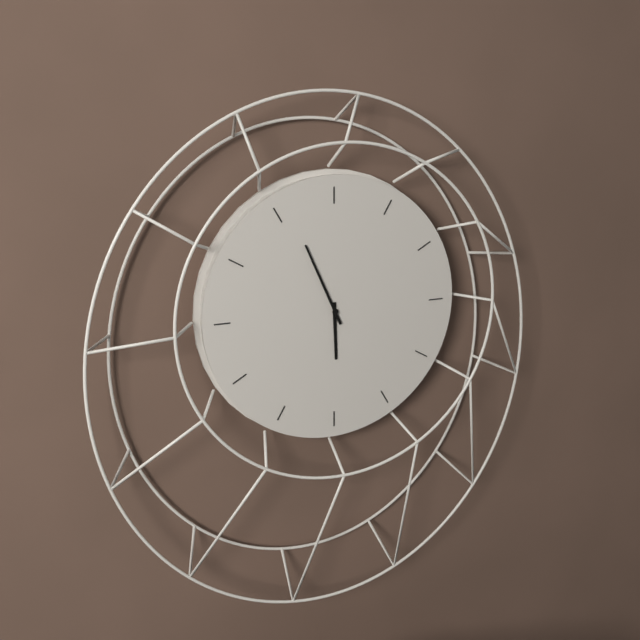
5:56
